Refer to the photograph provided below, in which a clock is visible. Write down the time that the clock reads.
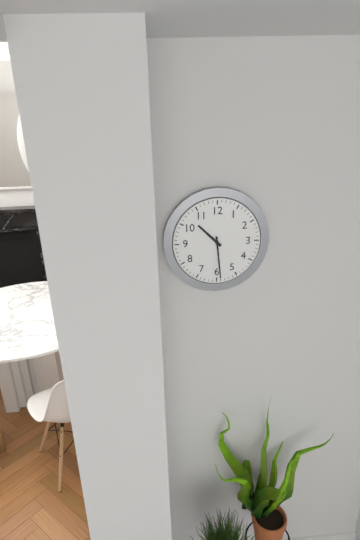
10:29
